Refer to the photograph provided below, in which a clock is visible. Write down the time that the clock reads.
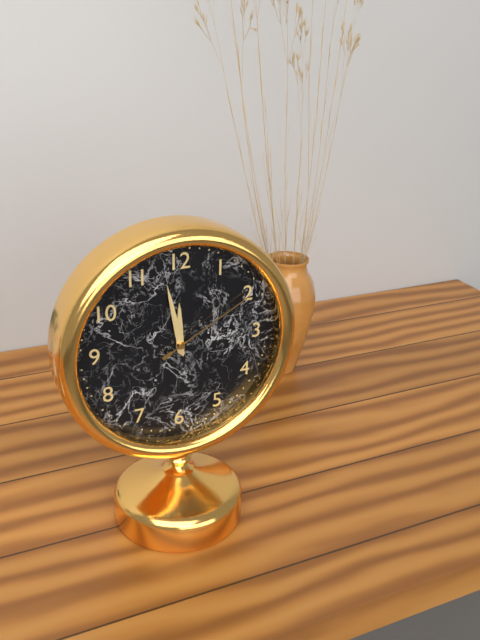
11:58:10
